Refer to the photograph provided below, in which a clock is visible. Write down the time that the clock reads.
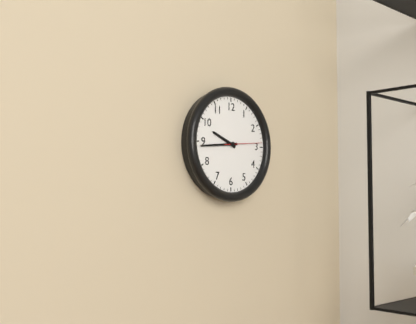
9:44
